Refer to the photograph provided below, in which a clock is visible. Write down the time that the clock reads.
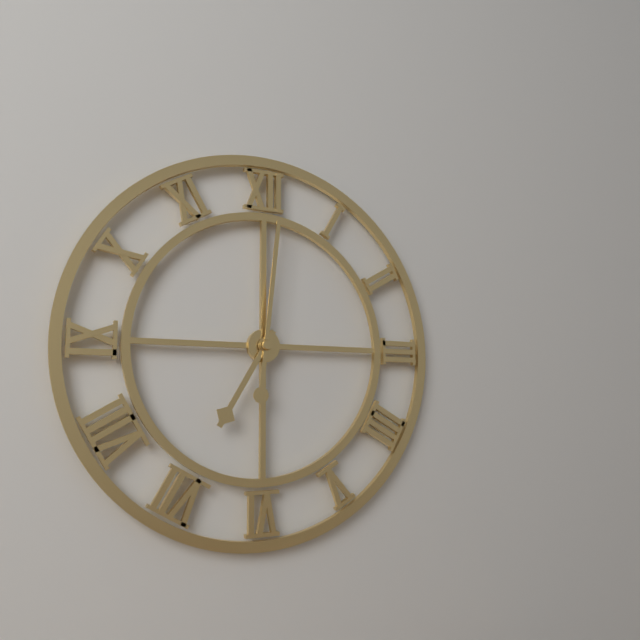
7:01
